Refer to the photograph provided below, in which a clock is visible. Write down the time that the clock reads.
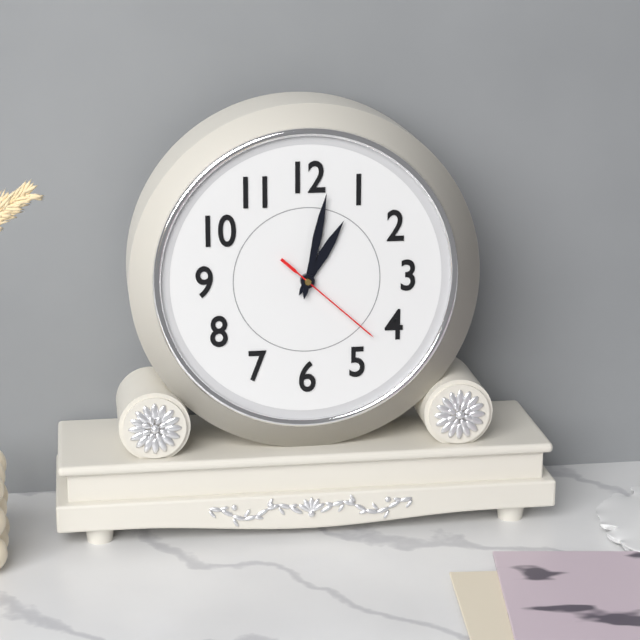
1:02:22
